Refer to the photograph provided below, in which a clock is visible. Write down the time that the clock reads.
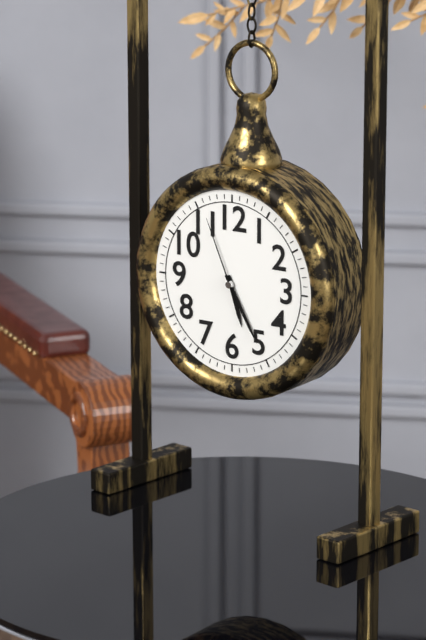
5:25:56
